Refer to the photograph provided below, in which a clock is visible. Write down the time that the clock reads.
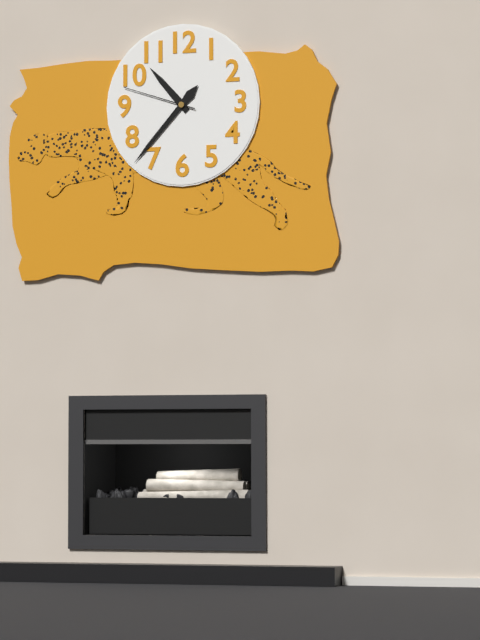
10:37:48
